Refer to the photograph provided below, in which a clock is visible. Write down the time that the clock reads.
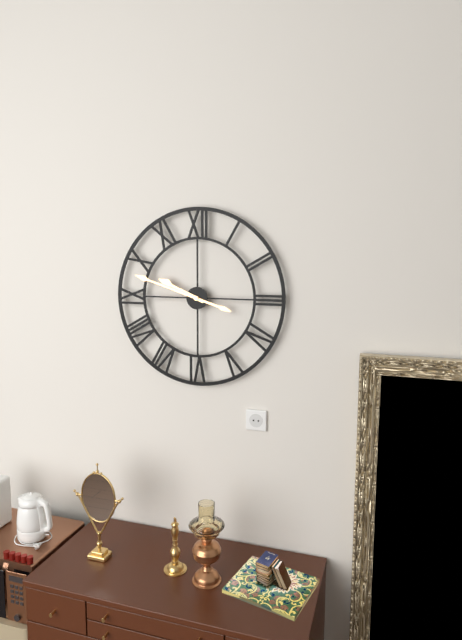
9:48
